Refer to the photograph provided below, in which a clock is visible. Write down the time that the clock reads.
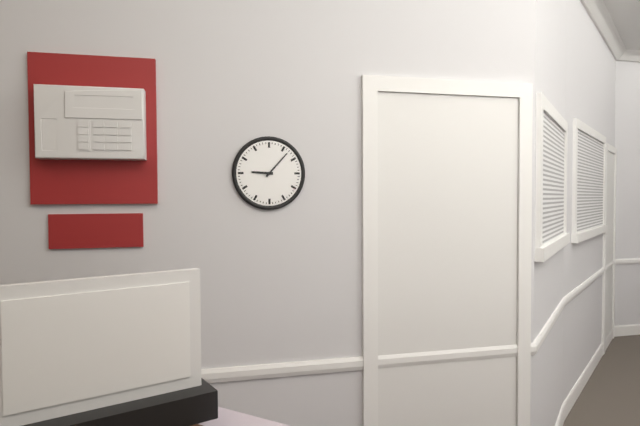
9:07
